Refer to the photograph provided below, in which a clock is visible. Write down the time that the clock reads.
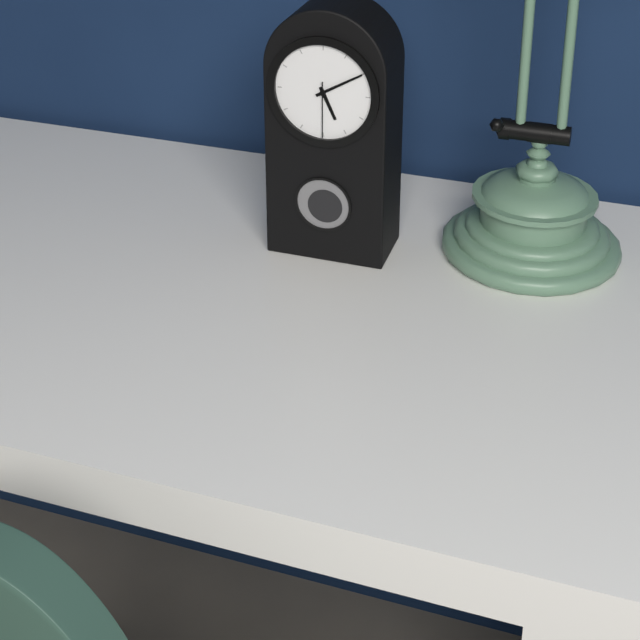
5:10:30
